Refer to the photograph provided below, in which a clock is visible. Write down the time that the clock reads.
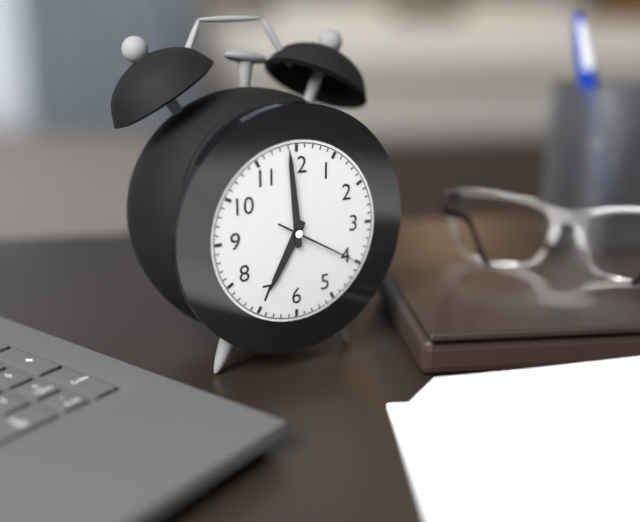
6:59:20
